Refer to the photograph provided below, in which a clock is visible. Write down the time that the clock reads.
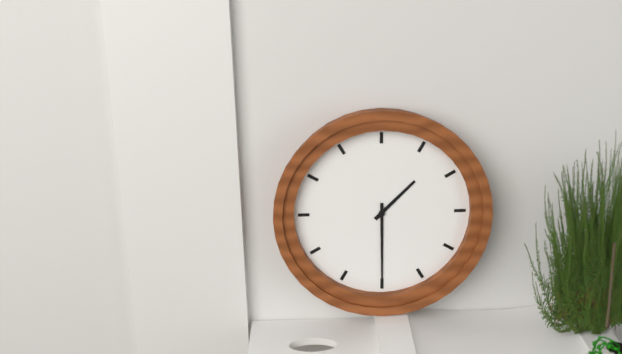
1:30
